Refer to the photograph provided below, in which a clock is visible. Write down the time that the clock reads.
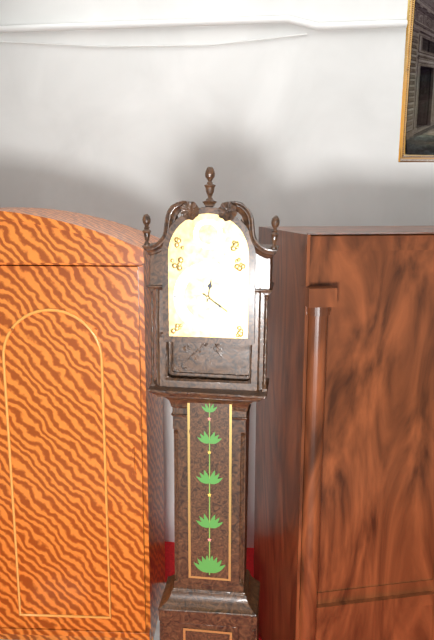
12:21
